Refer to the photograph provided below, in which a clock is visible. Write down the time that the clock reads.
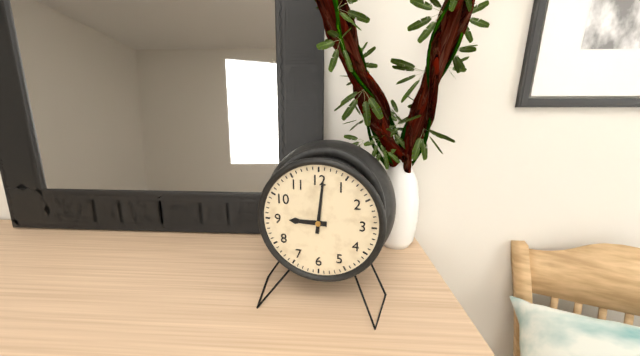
9:01
